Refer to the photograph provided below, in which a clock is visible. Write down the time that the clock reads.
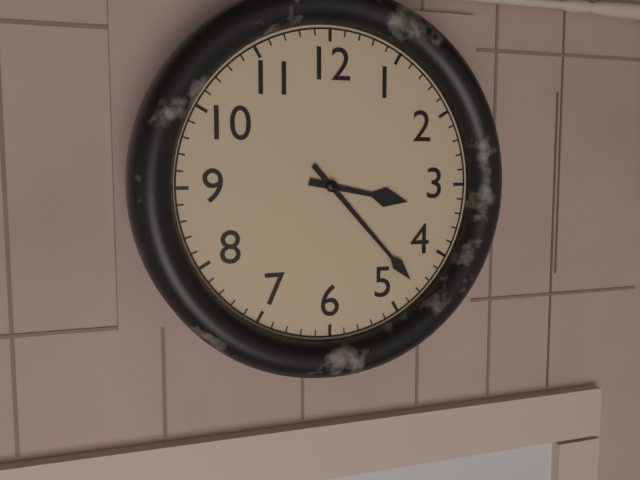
3:23
